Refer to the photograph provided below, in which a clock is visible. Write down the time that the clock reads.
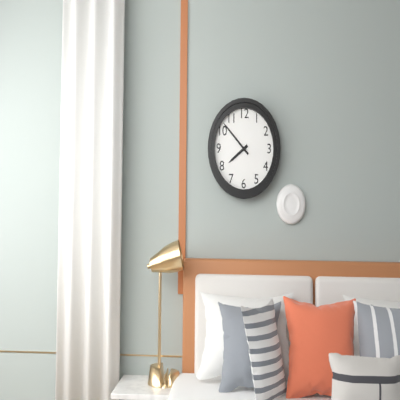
7:52
